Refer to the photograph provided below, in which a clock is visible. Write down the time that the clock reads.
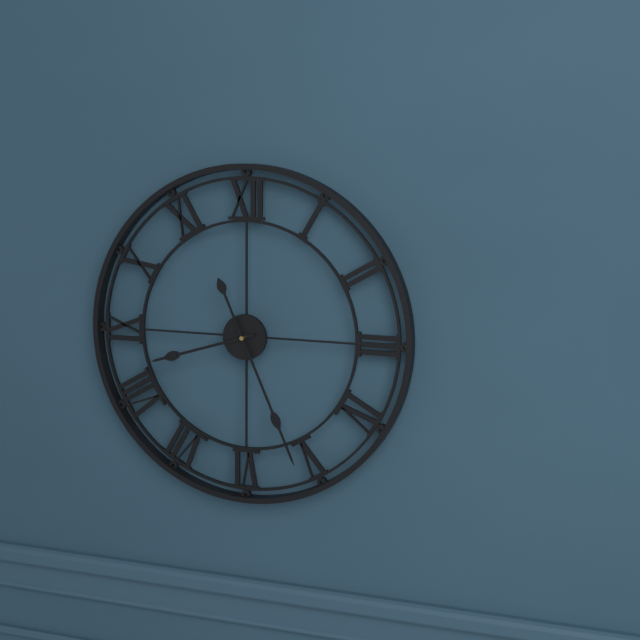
8:26
